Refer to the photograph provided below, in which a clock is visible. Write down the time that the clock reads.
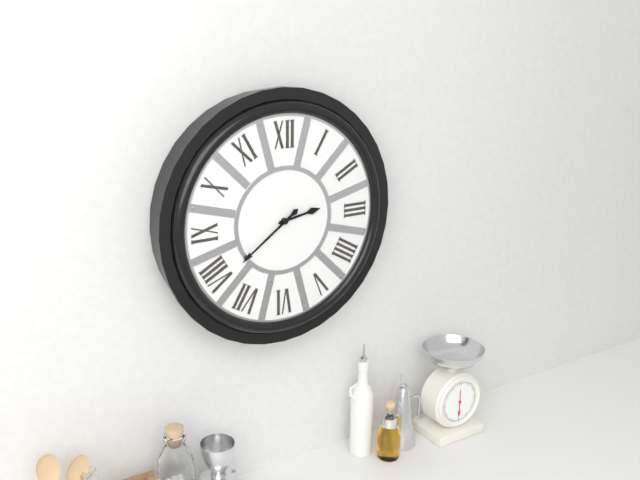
2:39
